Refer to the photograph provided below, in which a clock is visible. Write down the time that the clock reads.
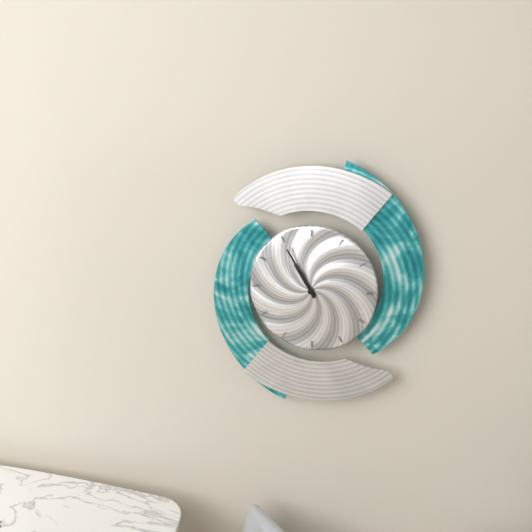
10:55
